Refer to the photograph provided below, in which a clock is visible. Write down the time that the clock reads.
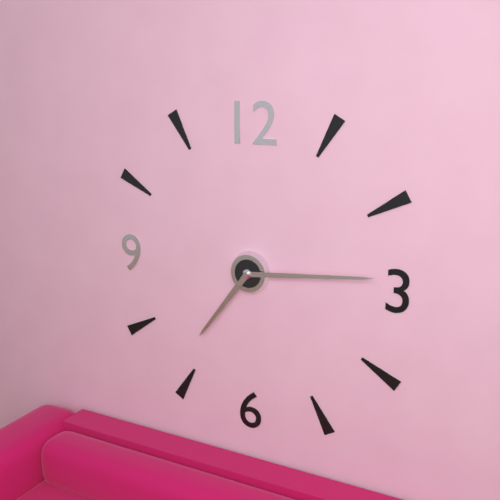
7:14
